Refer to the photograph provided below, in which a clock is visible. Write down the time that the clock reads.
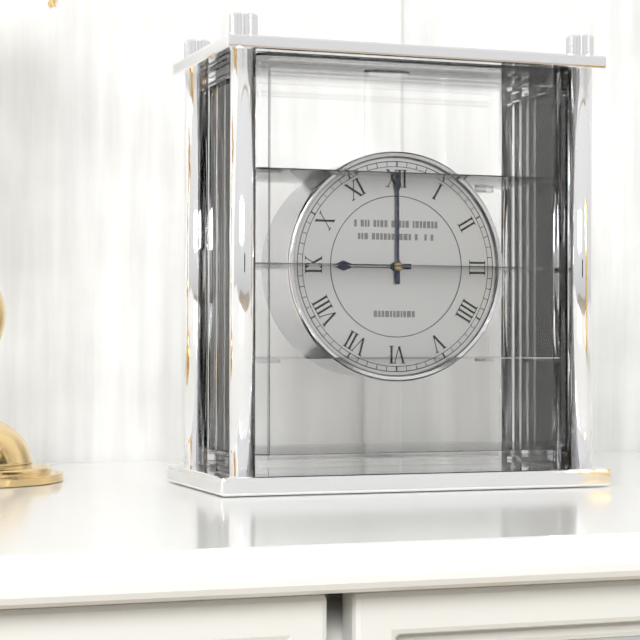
9:00
